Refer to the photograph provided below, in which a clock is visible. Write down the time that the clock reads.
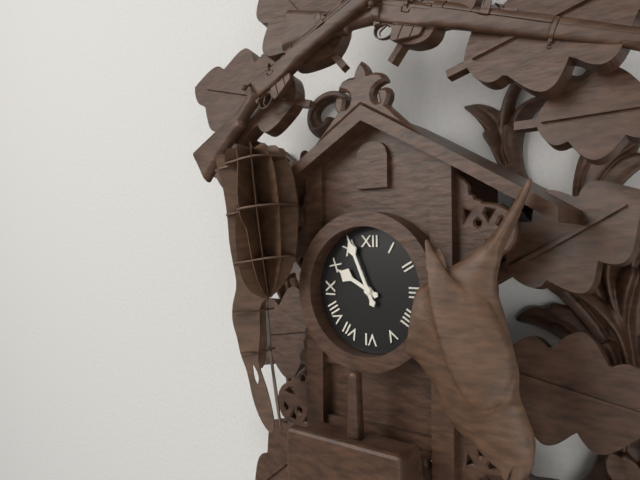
9:56
